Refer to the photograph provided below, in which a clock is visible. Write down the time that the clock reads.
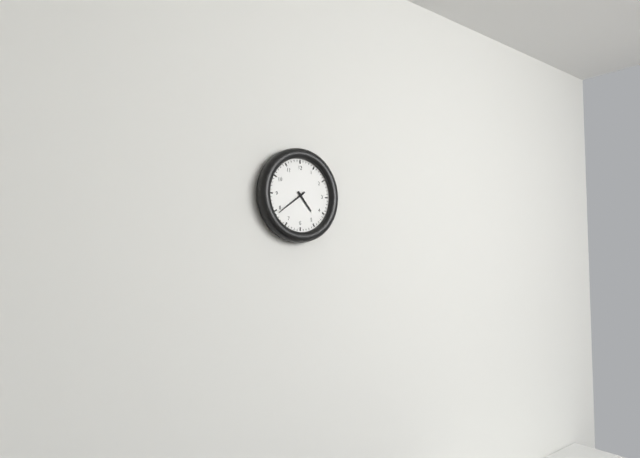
4:39
